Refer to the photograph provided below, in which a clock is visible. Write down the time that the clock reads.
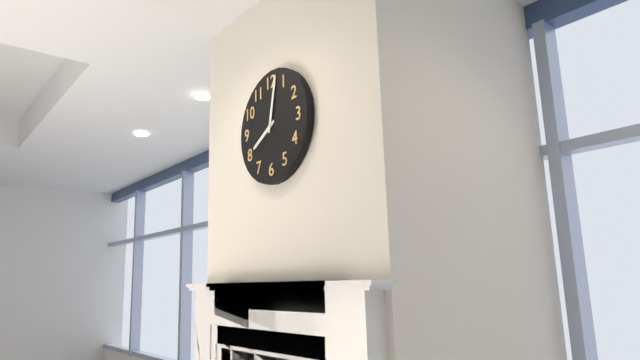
8:02
